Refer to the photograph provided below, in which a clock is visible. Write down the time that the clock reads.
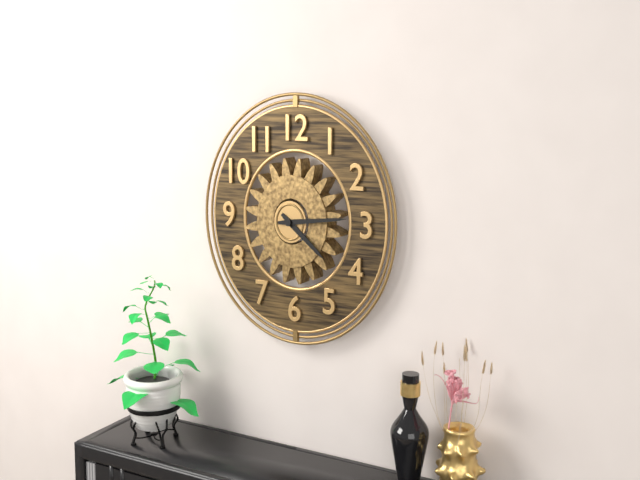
4:14
